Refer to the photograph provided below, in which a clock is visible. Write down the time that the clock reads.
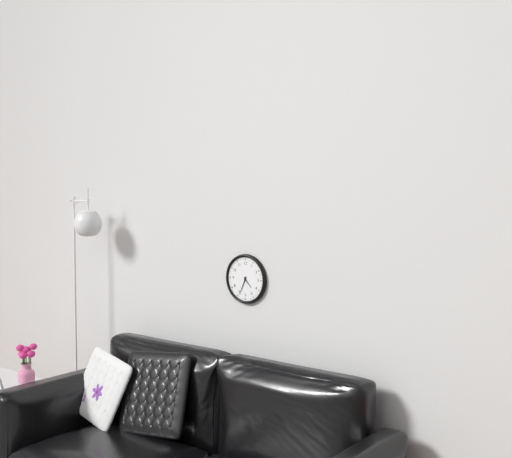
4:34
